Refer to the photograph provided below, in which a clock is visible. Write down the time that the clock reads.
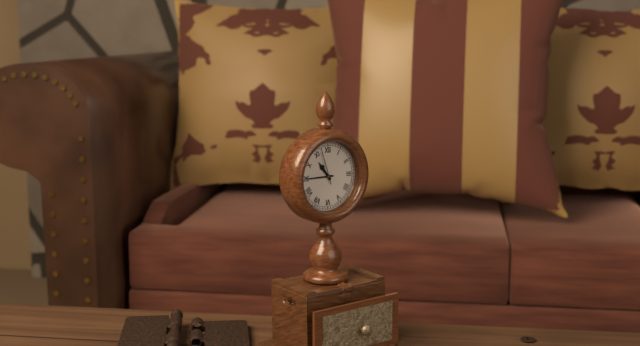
10:45
